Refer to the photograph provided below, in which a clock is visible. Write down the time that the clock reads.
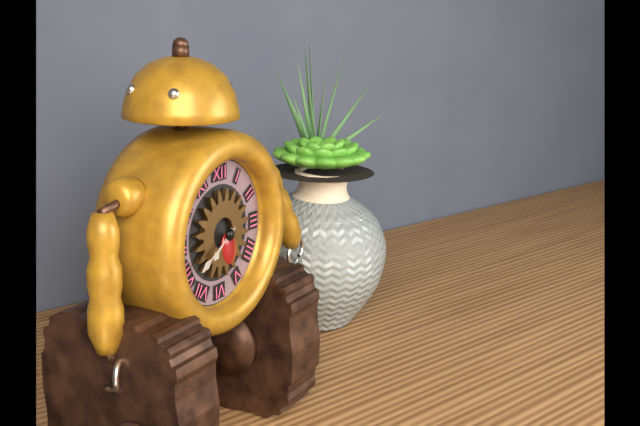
7:40
